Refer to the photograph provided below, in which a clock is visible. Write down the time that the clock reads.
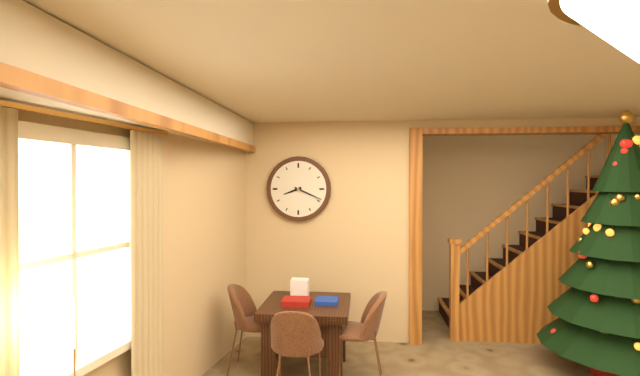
8:19
